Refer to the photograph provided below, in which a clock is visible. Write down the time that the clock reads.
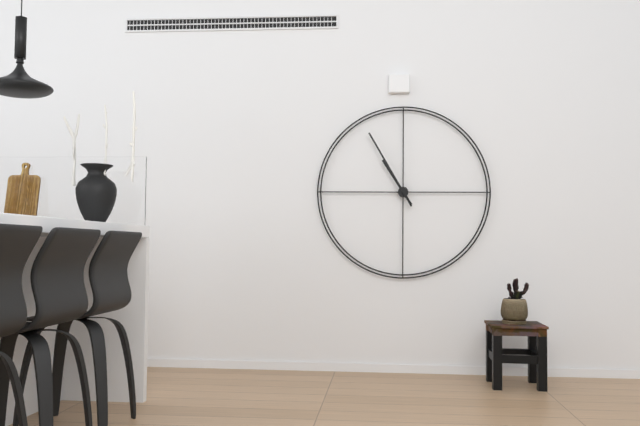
10:55
